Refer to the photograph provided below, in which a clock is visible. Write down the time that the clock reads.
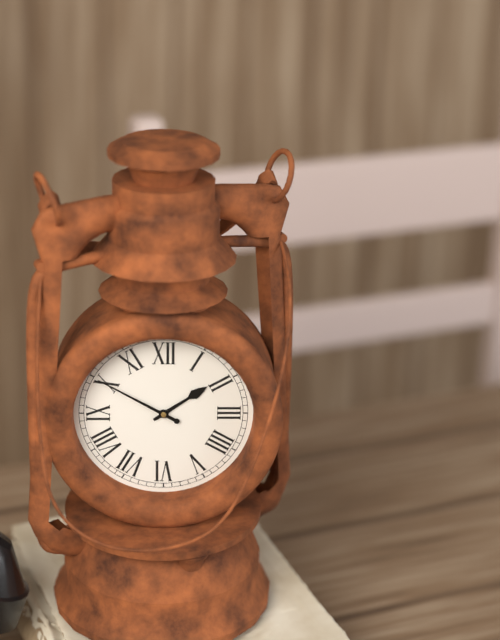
1:50
